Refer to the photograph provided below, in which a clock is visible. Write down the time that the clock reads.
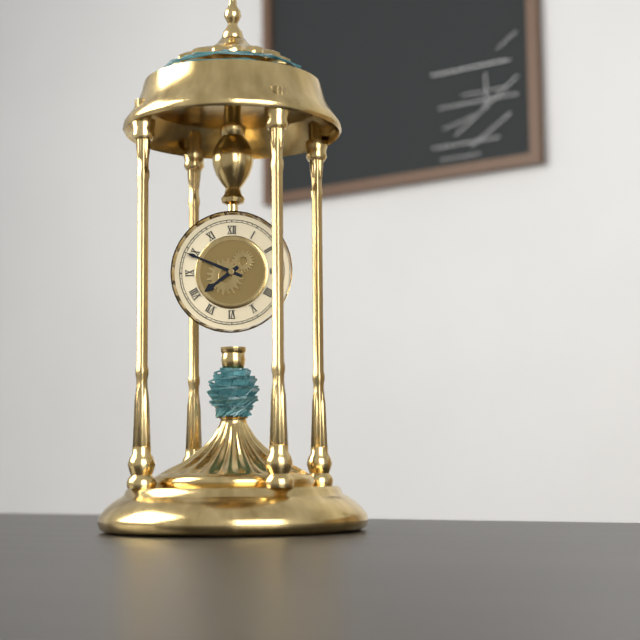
7:49
